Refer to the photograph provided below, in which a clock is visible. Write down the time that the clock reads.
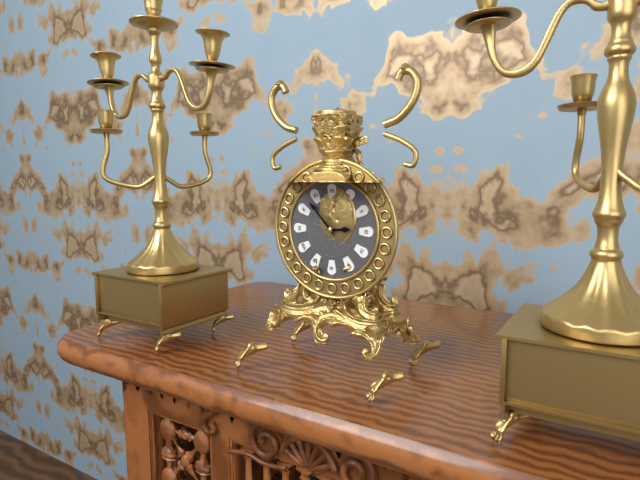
2:53
